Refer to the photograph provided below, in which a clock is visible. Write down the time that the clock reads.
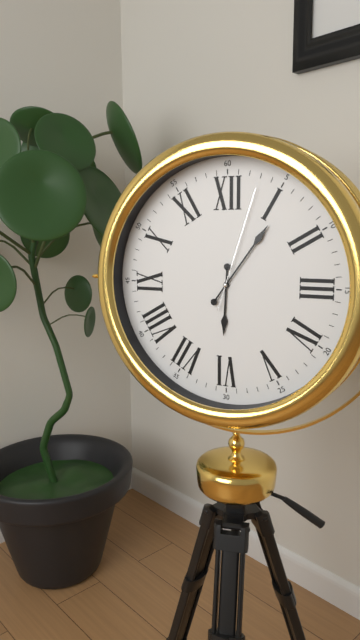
6:06:03
